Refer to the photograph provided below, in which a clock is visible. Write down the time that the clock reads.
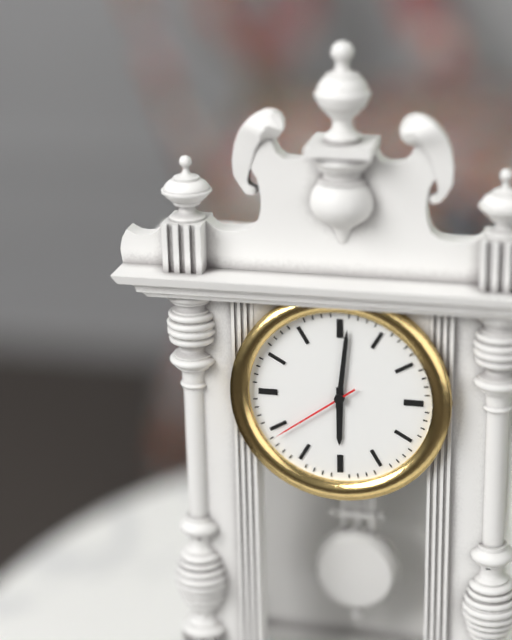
6:01:39
